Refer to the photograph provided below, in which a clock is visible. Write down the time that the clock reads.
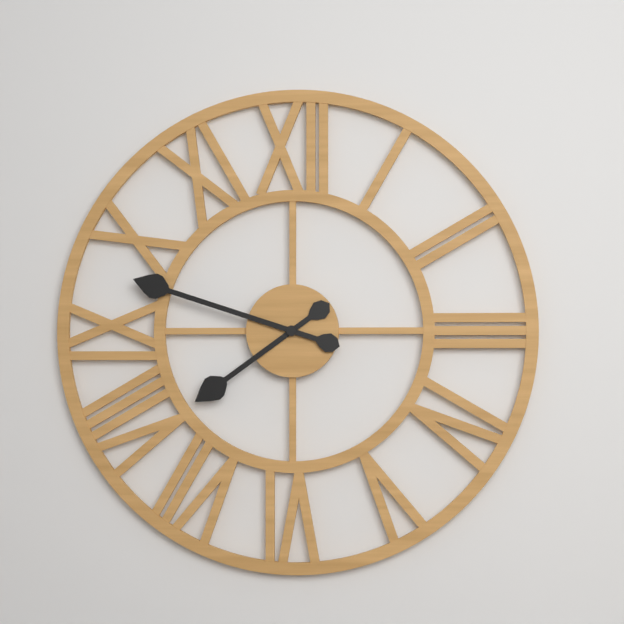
7:48
